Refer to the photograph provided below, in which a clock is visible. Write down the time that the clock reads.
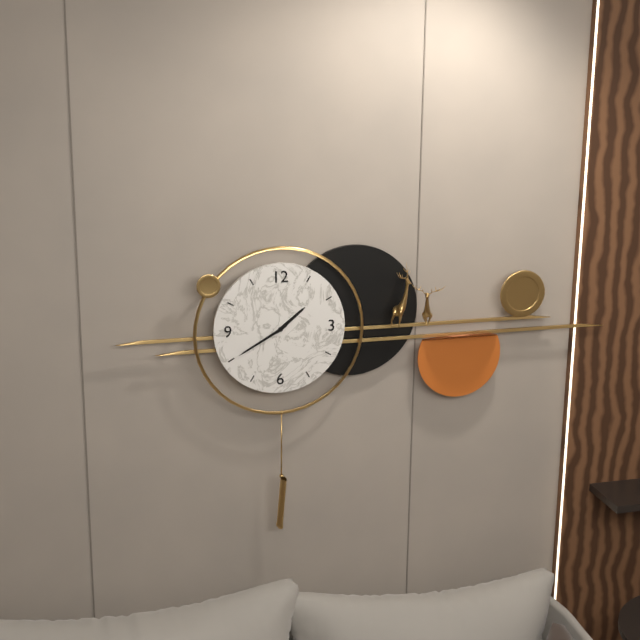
1:40
